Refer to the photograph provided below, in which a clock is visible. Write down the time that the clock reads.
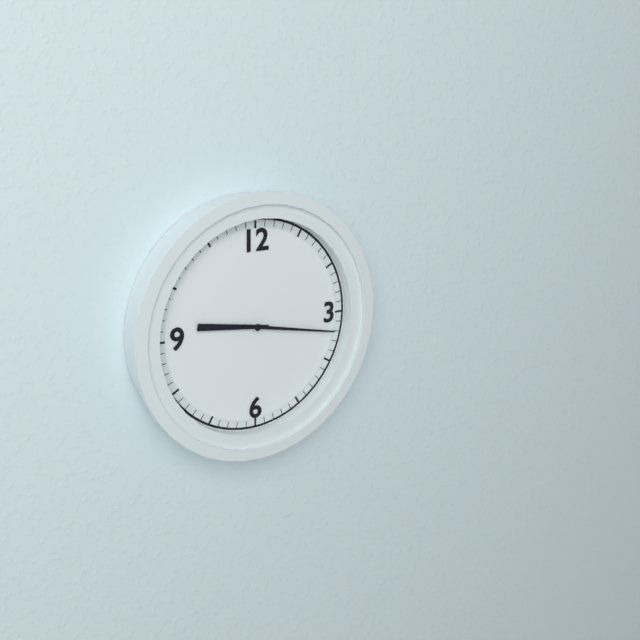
9:17
